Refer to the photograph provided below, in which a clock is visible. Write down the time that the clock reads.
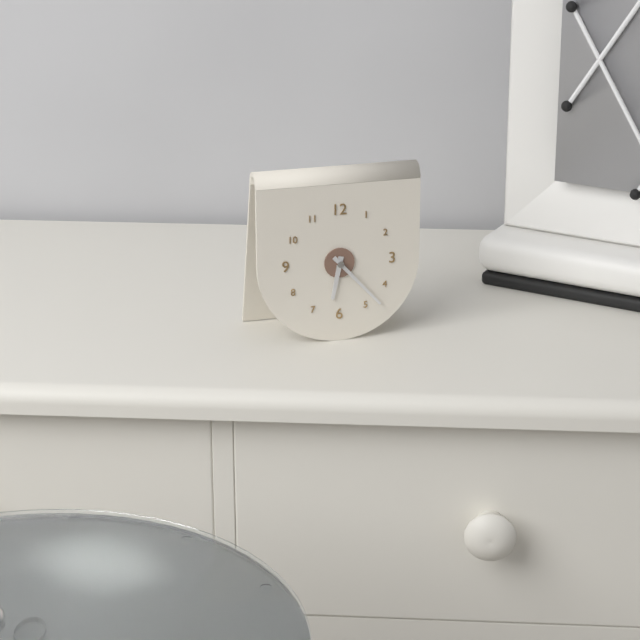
6:23
